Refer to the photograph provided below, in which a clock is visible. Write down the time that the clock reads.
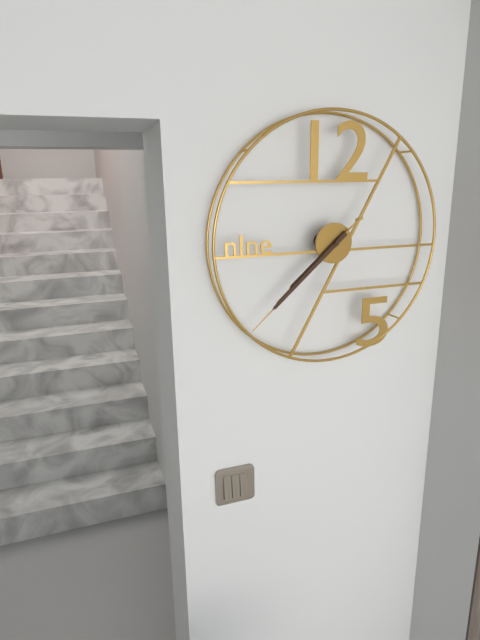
7:38
